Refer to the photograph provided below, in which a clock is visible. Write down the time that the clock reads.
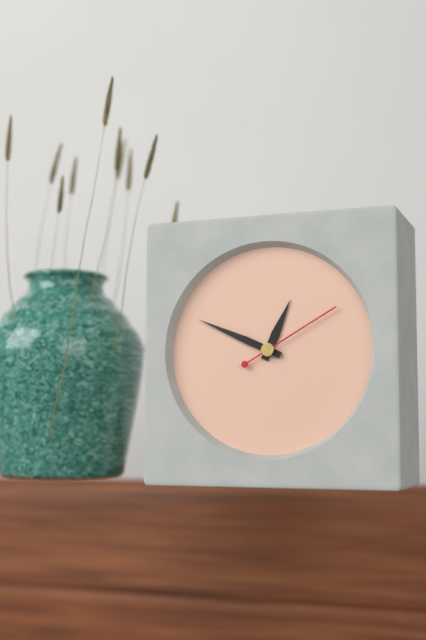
12:49:10
